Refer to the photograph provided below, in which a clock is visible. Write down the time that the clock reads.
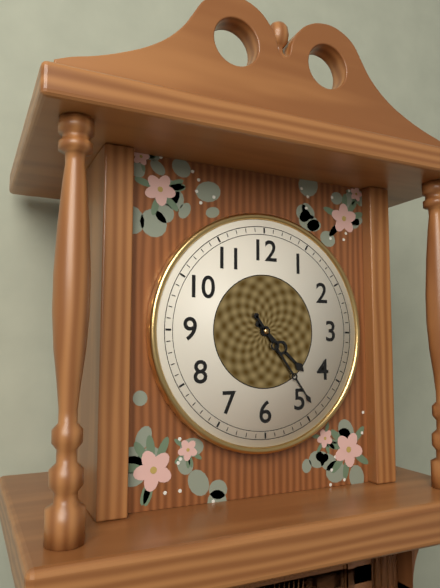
4:24
